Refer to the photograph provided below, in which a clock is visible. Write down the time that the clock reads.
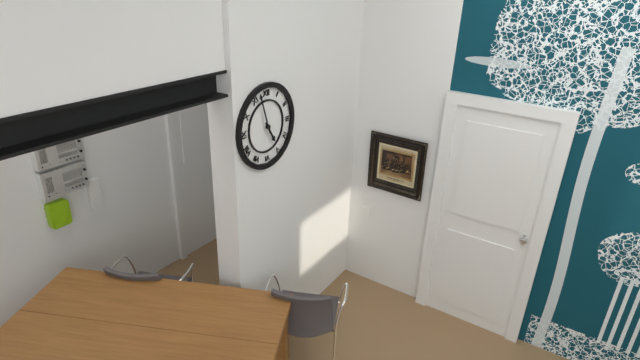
4:57
